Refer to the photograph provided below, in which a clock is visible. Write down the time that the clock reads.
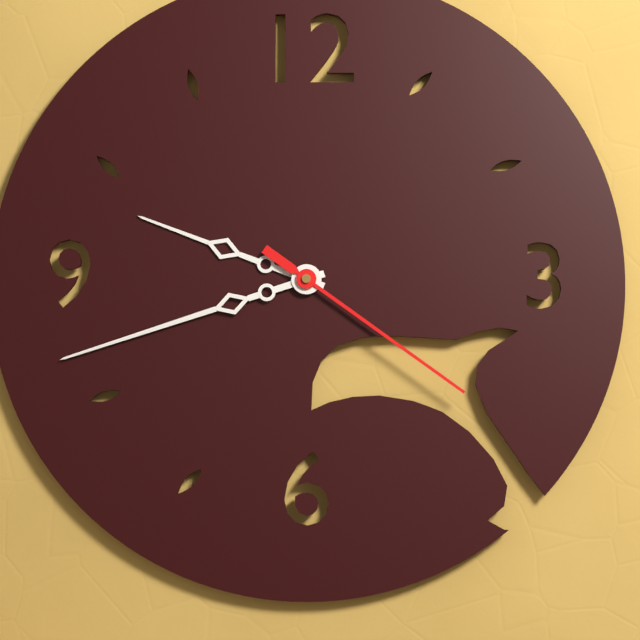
9:42:21
